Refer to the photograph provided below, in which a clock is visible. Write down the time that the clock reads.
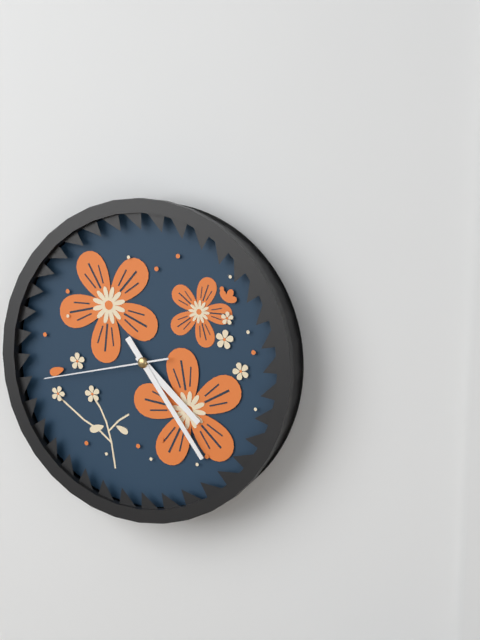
4:24:43
